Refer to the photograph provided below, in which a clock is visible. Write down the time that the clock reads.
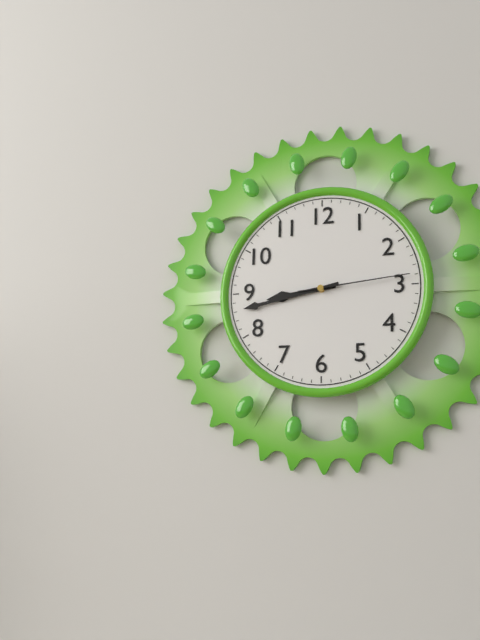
8:43:14
